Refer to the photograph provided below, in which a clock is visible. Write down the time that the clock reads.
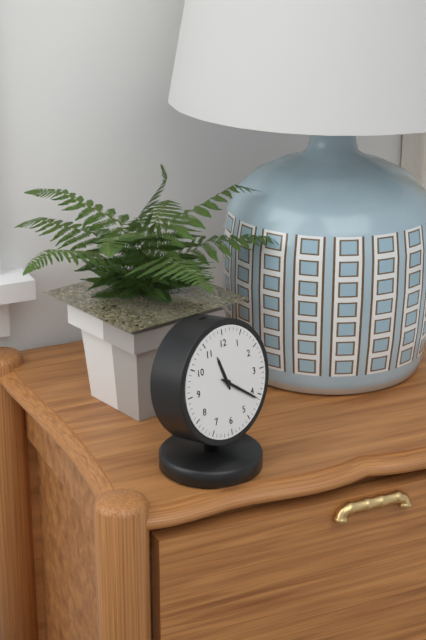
11:21
